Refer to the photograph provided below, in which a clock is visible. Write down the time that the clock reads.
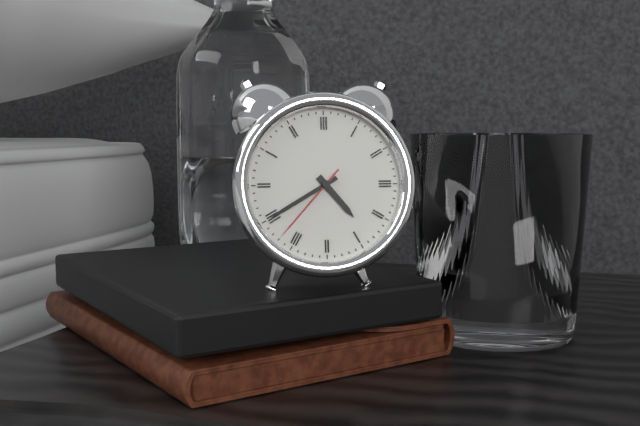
4:40:37
